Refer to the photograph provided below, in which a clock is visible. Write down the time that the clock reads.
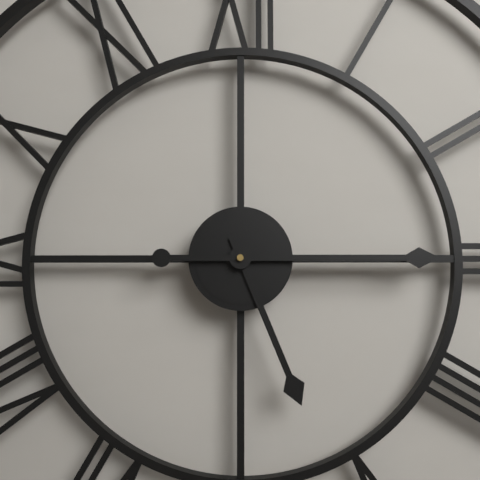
5:15
